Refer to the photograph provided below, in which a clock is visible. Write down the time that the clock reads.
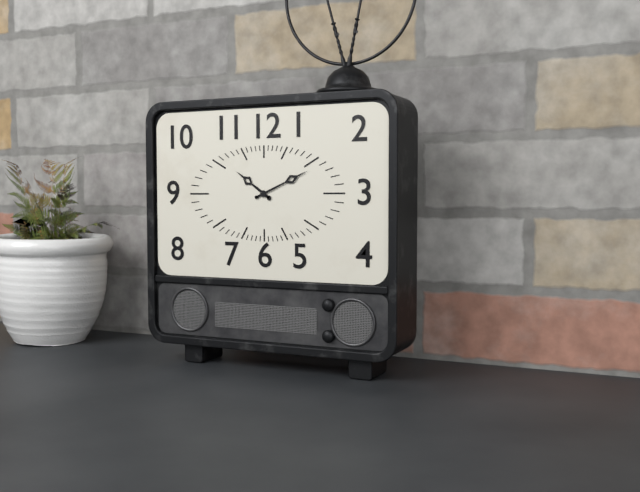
10:11
